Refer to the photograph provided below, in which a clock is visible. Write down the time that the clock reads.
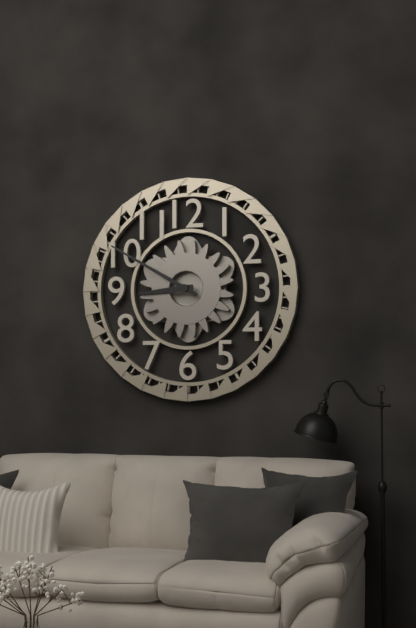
8:50
